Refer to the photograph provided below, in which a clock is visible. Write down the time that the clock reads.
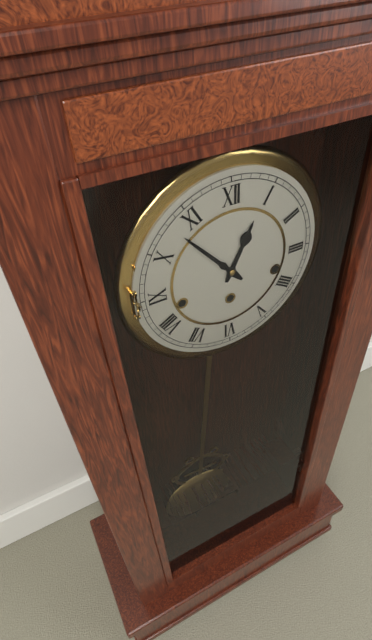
12:53
